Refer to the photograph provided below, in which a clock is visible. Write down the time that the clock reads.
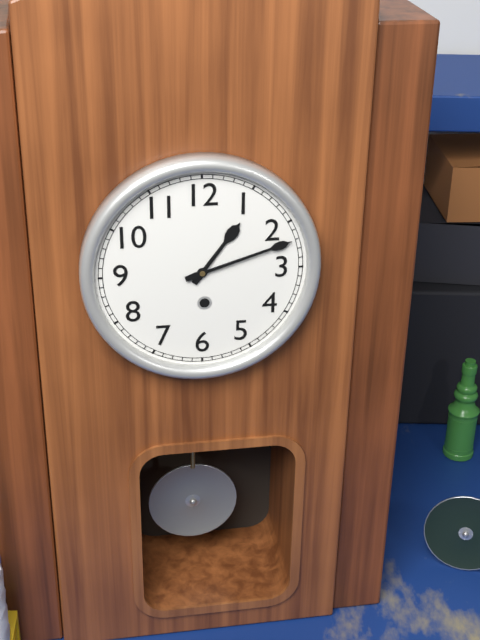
1:12
